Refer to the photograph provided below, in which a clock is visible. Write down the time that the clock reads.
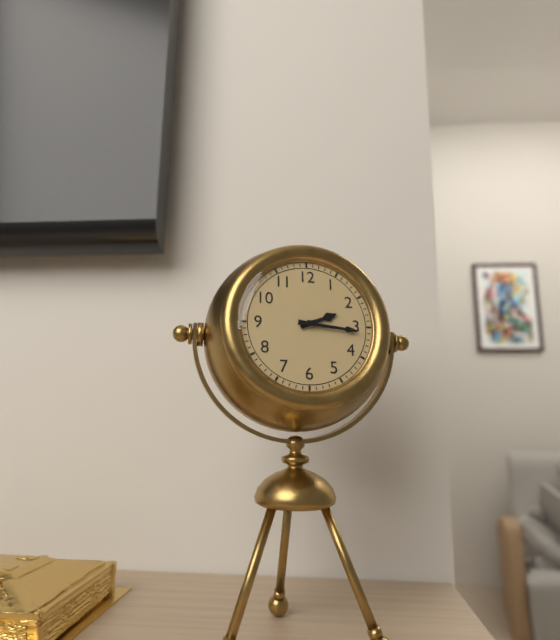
2:16
